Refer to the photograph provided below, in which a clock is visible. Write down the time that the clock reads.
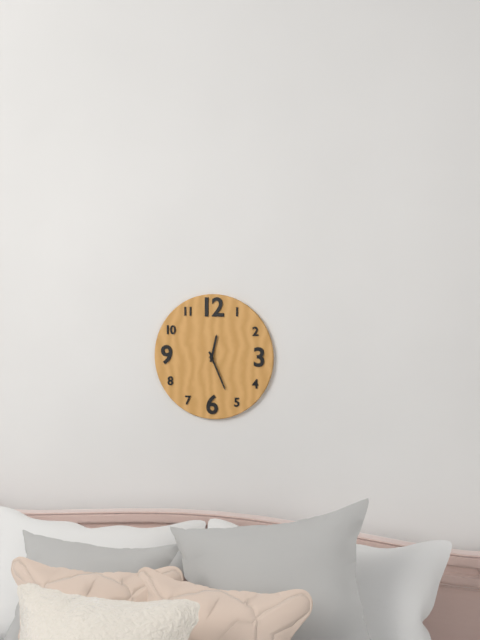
12:26
